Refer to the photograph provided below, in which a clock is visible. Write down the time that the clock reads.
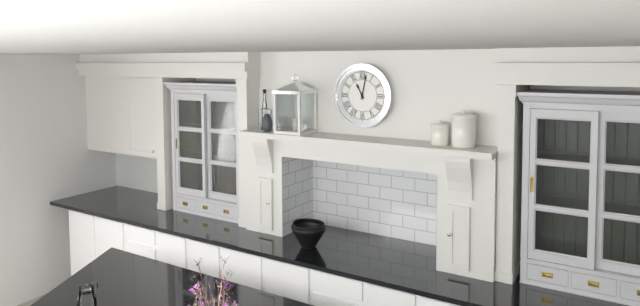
11:02
